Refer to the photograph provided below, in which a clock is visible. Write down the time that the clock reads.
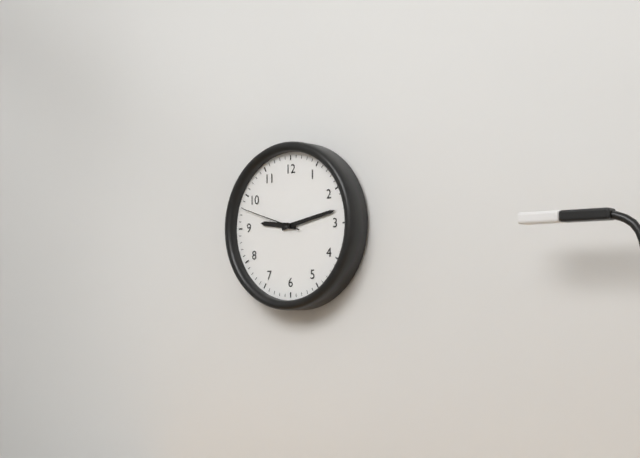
9:13:48
